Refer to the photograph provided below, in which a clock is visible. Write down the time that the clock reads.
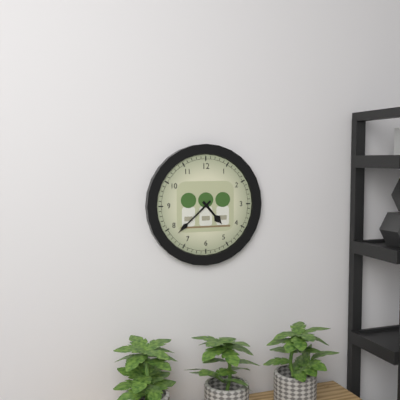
4:38
